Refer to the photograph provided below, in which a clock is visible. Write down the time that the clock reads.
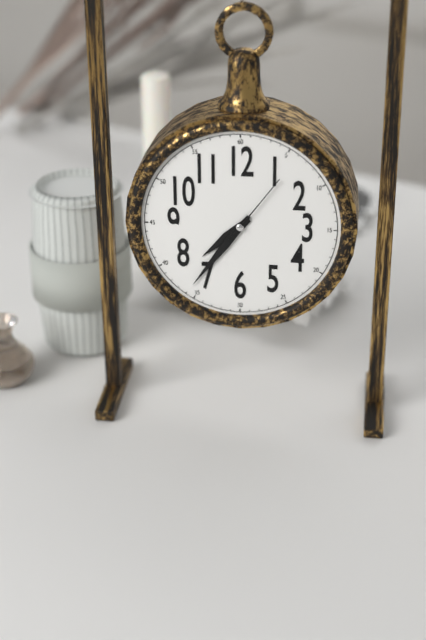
7:36:06
